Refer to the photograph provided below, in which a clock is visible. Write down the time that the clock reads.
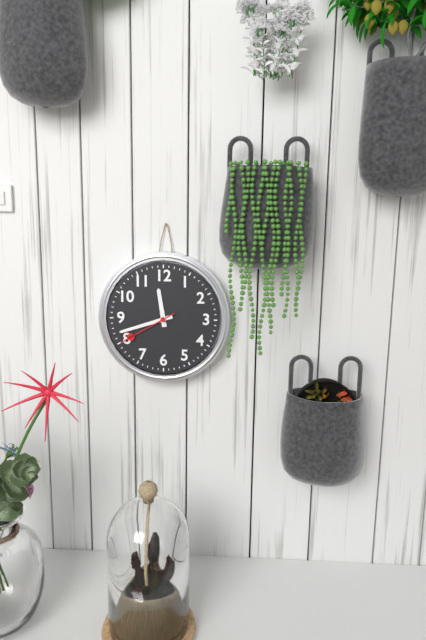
11:42:40
